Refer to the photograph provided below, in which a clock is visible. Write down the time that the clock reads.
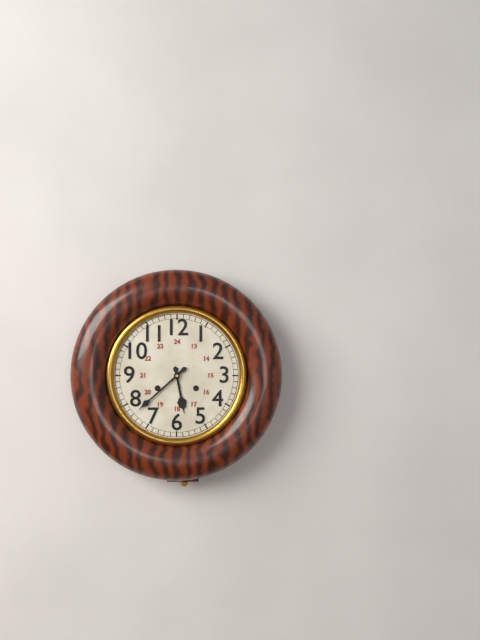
5:38
